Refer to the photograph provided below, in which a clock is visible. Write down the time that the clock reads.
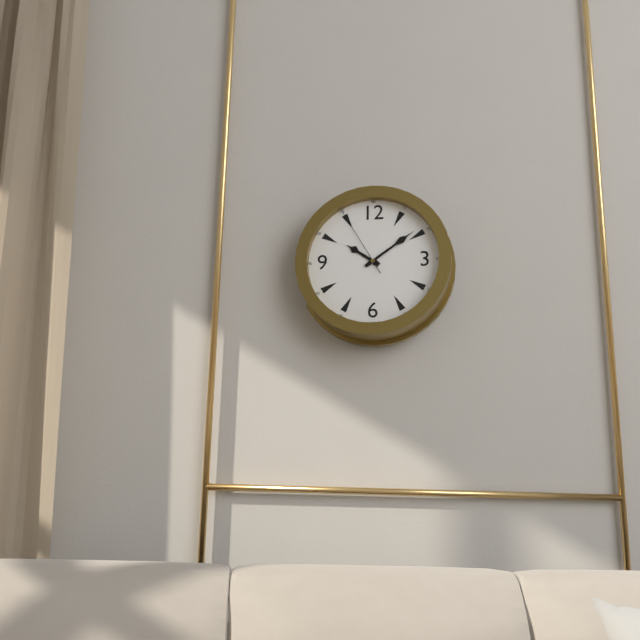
10:09:55
